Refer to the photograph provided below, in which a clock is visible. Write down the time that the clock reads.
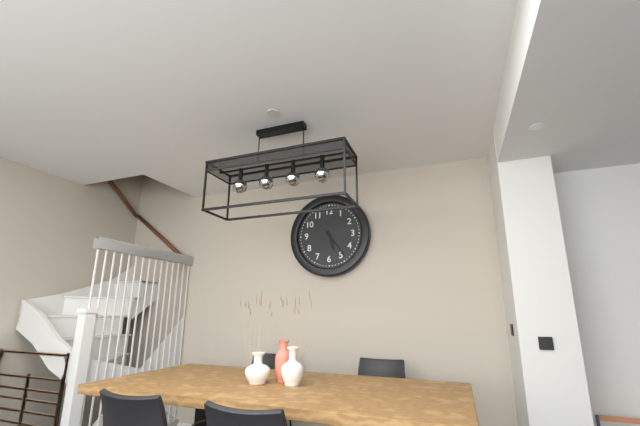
5:24
